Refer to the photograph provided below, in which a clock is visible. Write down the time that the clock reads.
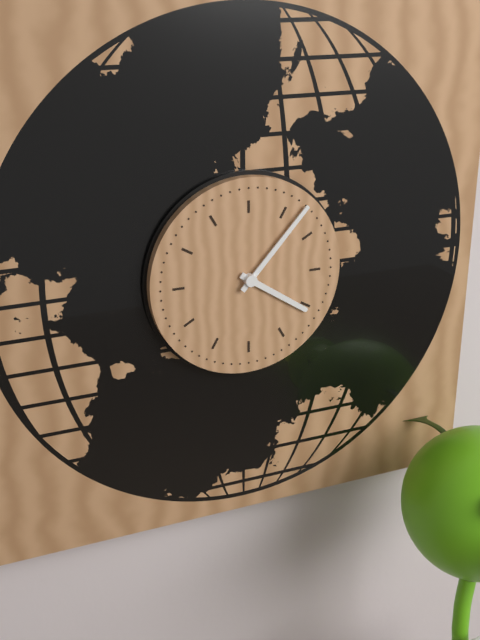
4:07
